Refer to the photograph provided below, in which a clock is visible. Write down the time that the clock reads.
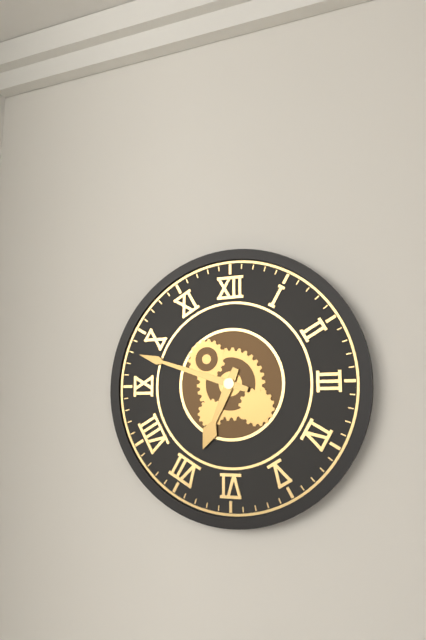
6:48
